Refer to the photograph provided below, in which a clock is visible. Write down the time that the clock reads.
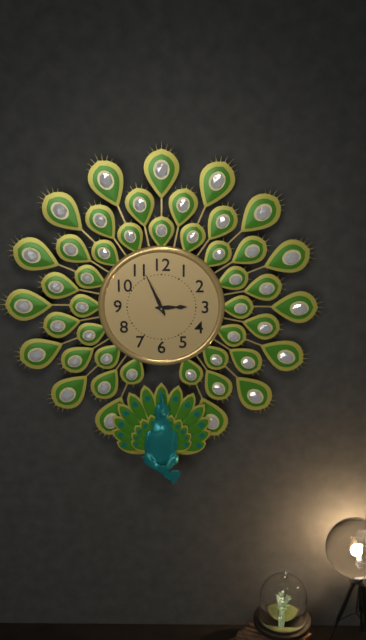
2:56
